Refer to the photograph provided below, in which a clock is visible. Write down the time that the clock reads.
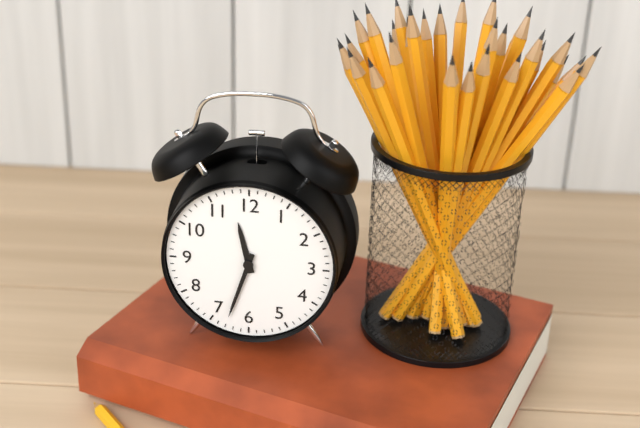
11:33
